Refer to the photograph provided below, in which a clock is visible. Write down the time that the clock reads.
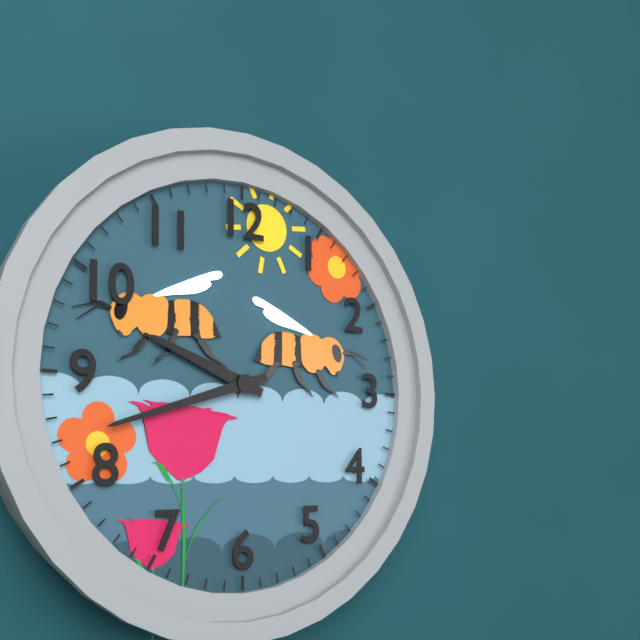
9:42
